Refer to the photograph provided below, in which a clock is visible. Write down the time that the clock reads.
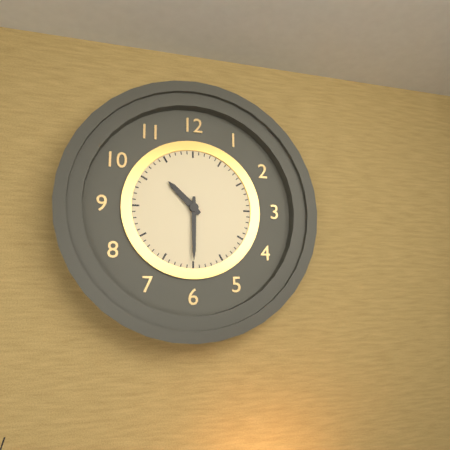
10:30
